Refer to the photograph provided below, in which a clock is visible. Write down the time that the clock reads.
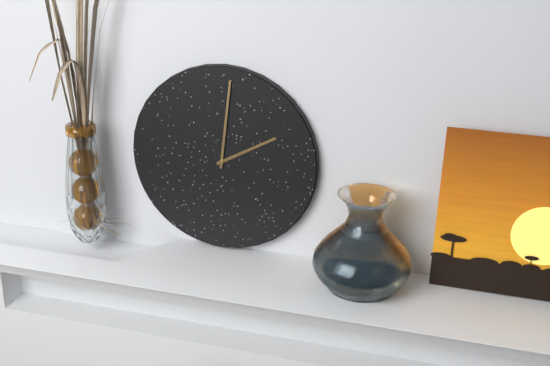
2:01
